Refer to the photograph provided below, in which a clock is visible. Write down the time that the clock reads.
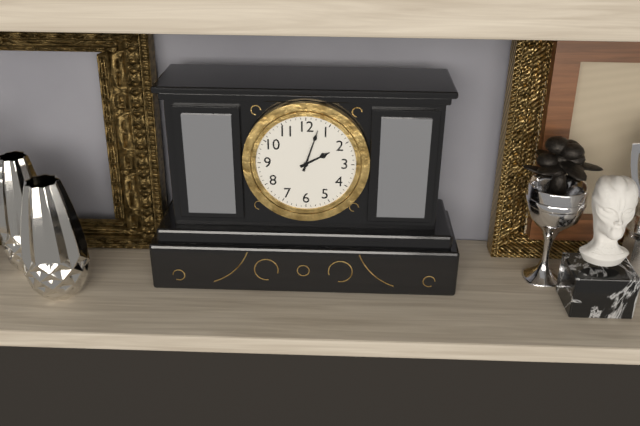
2:03
